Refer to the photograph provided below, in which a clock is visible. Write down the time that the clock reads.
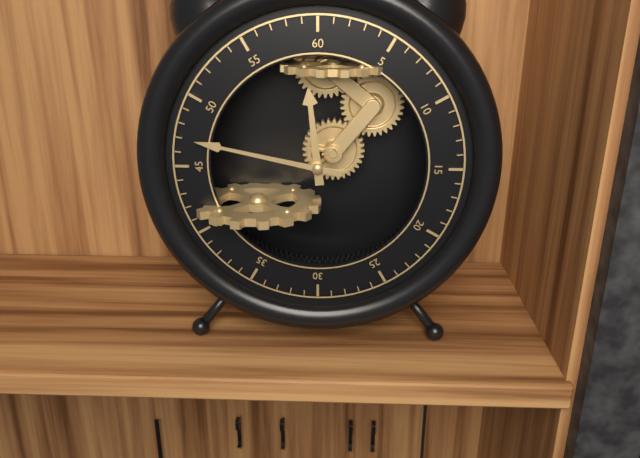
11:47
